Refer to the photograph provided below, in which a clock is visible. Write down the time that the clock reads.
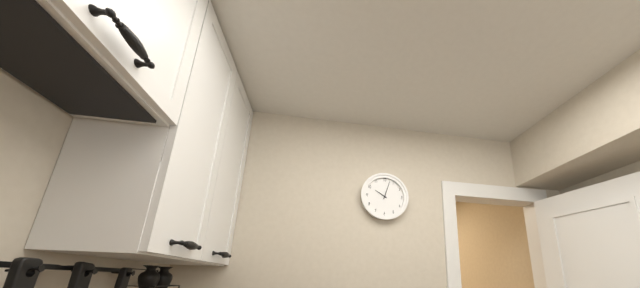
10:03
